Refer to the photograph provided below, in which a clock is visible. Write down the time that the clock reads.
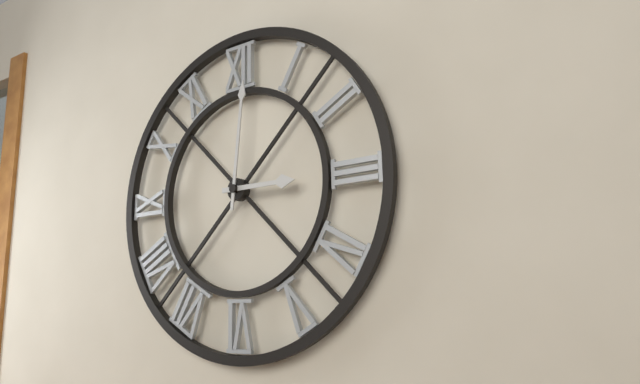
3:01
